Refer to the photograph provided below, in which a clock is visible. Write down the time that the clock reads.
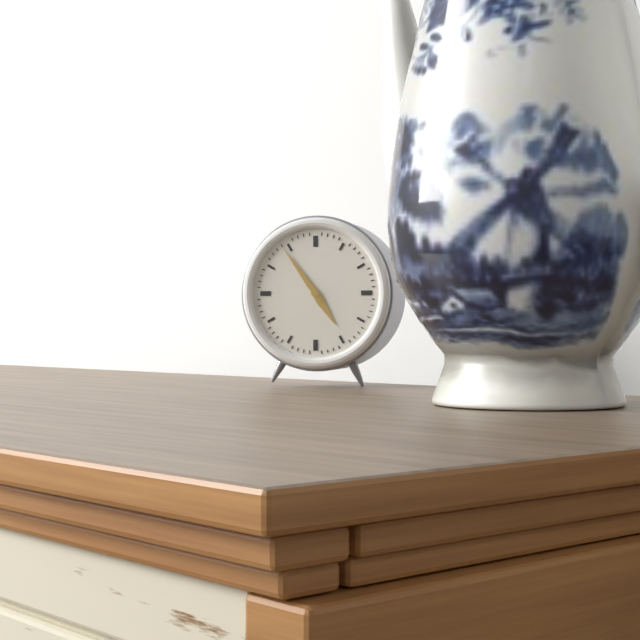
4:54
